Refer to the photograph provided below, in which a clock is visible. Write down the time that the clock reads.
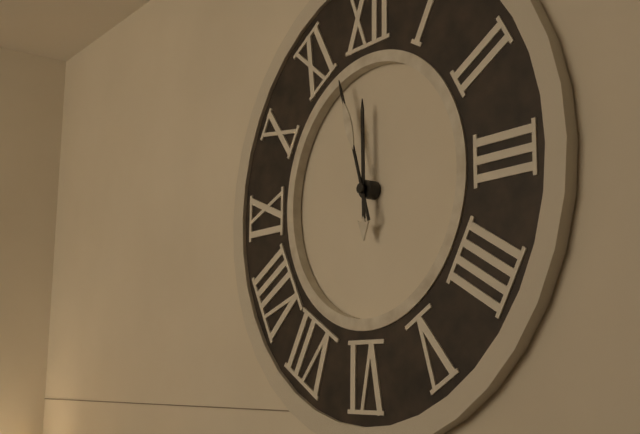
11:57
